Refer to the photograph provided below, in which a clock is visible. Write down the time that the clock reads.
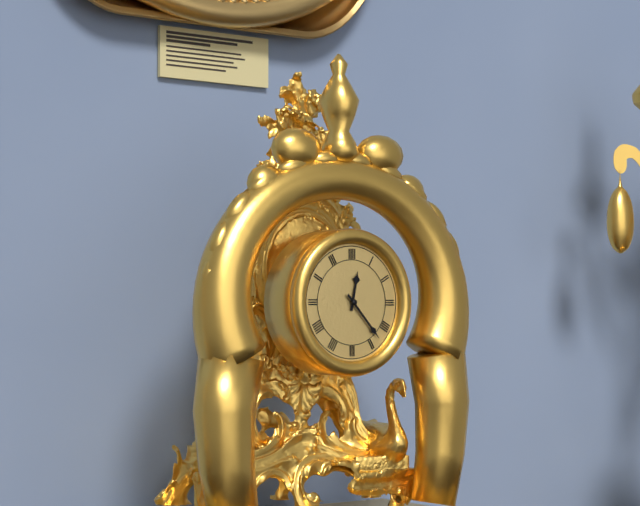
12:23
